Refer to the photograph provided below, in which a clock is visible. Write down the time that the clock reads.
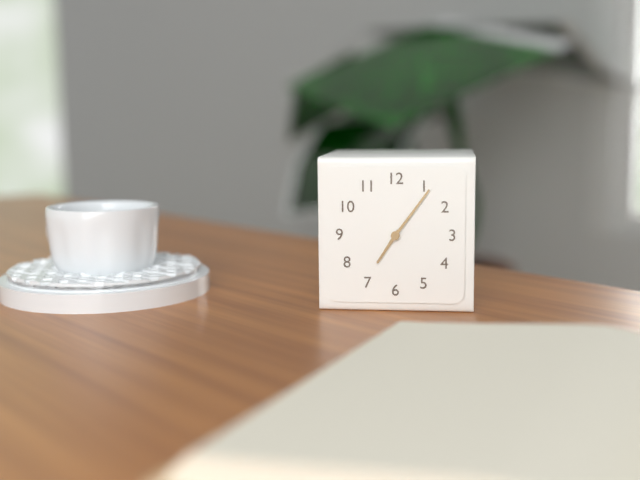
7:06
